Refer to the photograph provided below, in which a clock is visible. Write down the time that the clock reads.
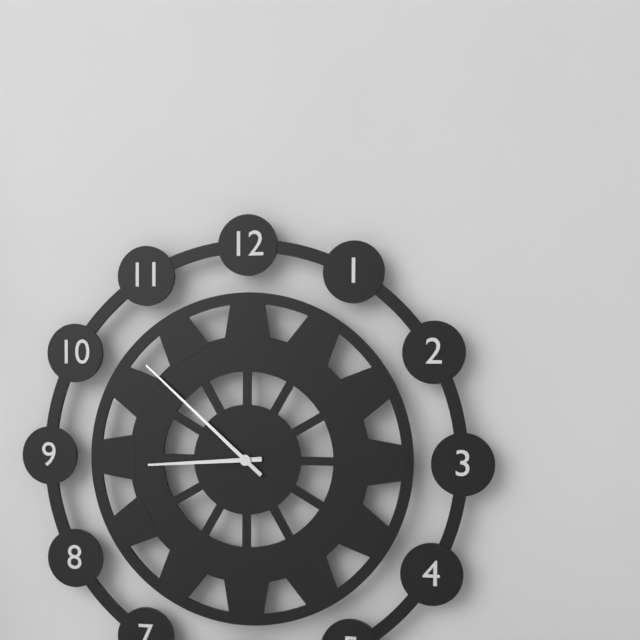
8:52
